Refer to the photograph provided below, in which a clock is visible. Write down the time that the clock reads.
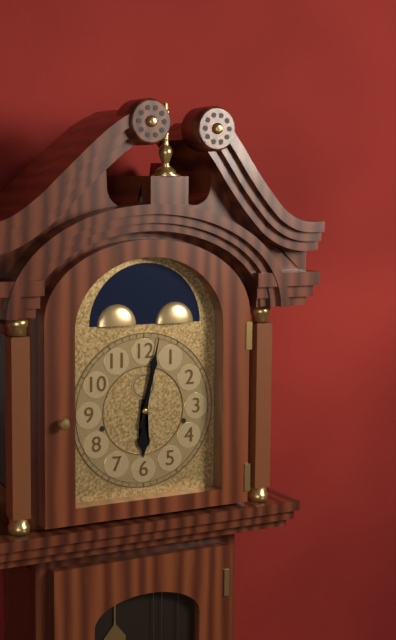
6:02
